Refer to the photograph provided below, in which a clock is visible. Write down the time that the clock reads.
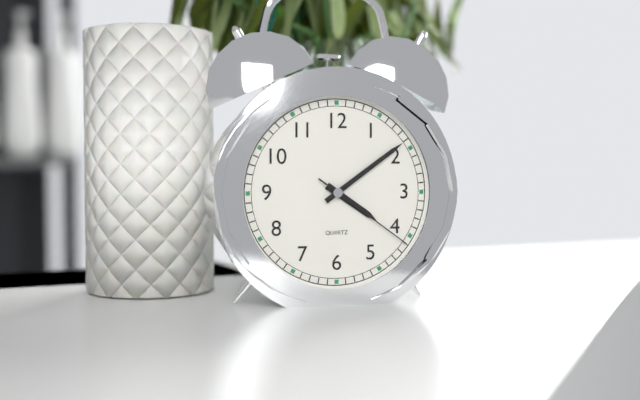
4:09:21
